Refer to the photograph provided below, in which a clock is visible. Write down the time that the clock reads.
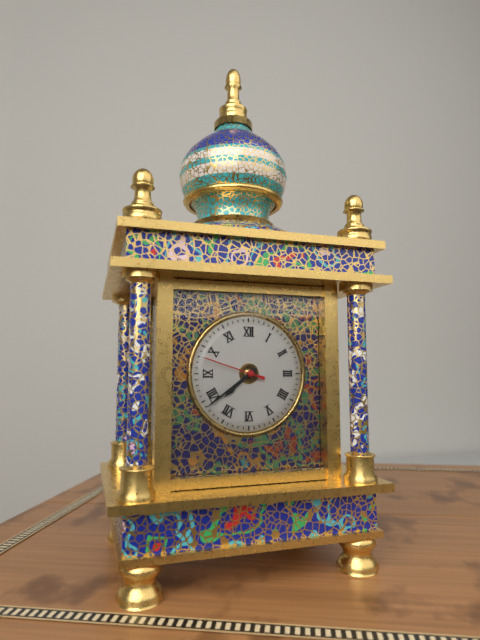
7:39:48
